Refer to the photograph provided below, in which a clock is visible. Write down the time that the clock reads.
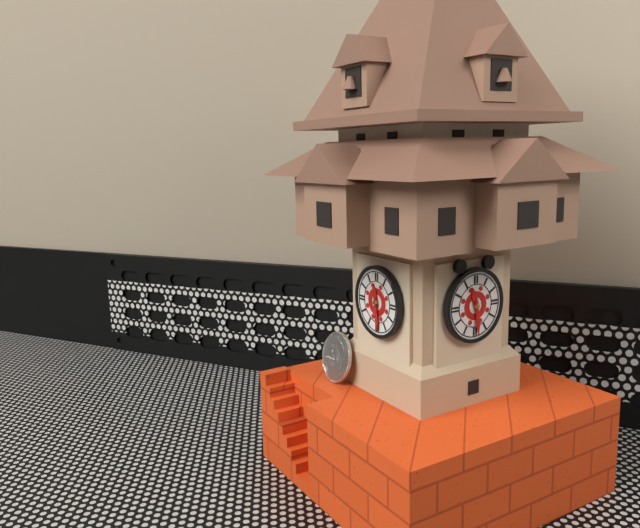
11:29
